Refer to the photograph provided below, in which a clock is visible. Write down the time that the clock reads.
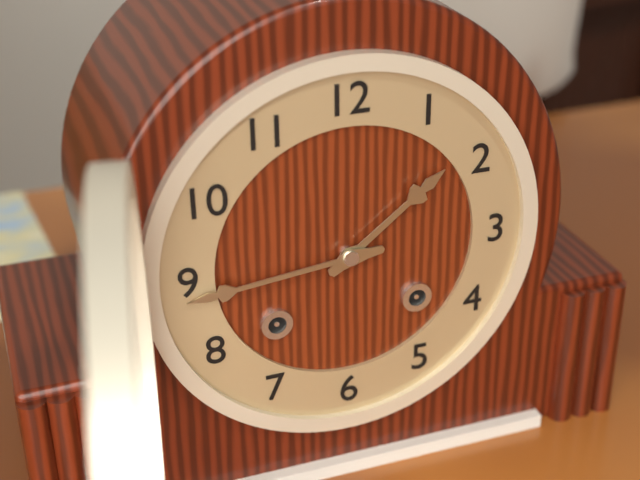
1:44
